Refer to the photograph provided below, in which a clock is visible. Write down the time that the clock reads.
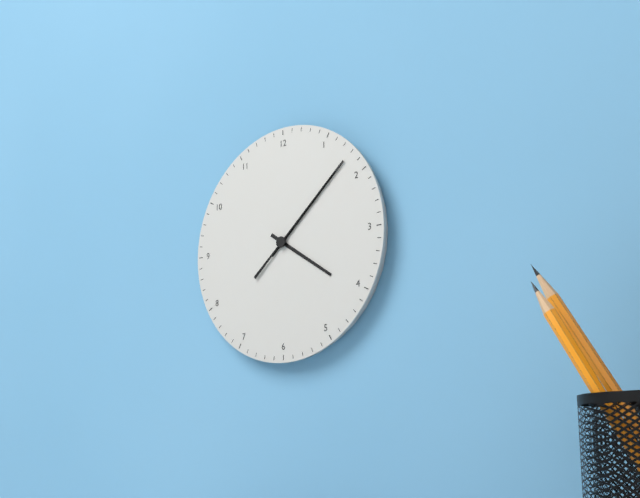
4:08:08
